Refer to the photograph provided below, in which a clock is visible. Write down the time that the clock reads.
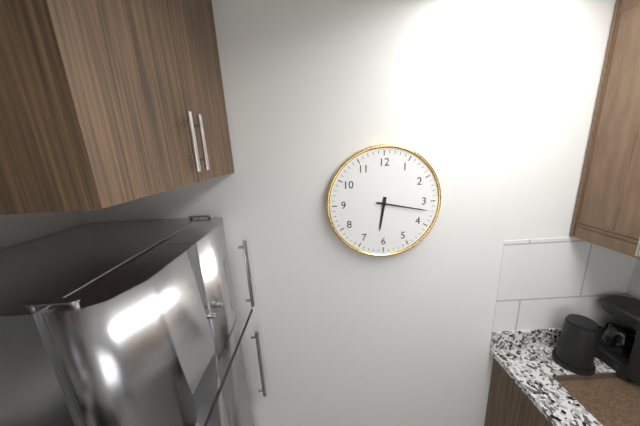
6:17
